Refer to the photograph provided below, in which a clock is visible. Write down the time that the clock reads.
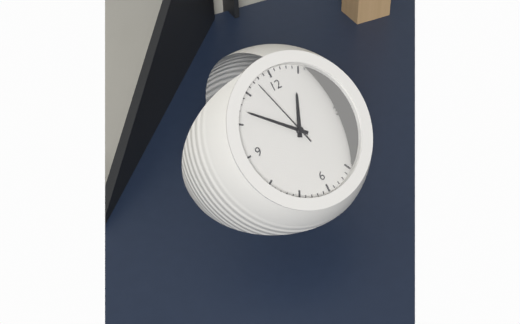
12:52:57
